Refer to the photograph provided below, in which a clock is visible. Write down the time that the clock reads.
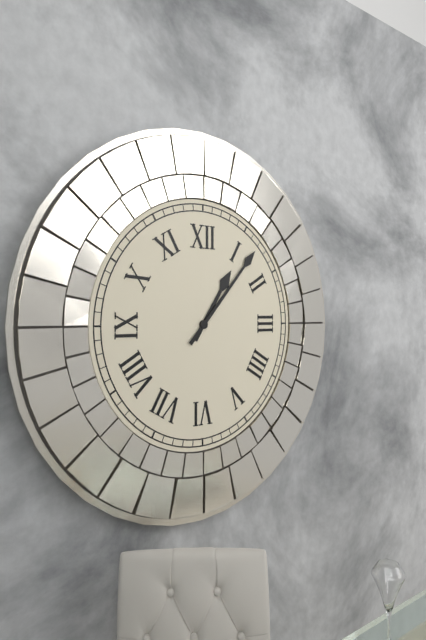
1:07
